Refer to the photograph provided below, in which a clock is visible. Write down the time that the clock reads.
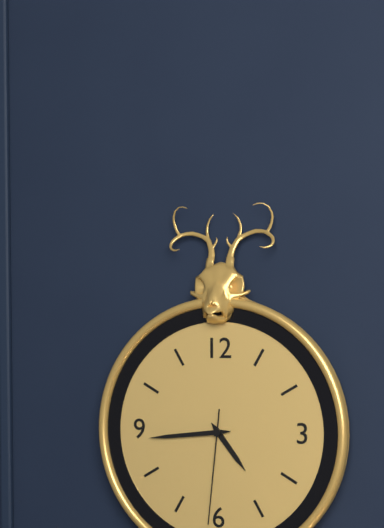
4:44:31
